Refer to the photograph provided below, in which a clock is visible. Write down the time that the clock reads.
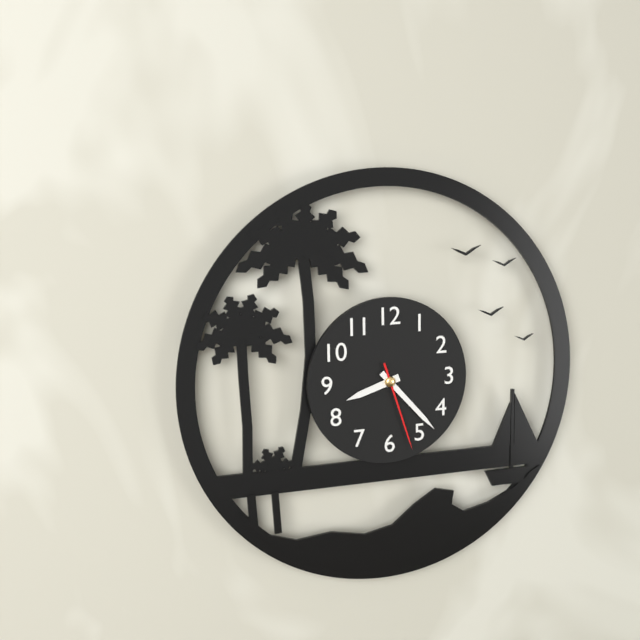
8:23:27
